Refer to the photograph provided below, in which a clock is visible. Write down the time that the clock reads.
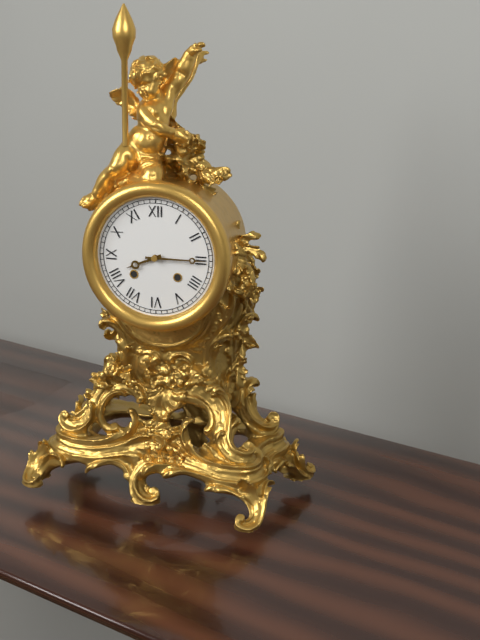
8:15
